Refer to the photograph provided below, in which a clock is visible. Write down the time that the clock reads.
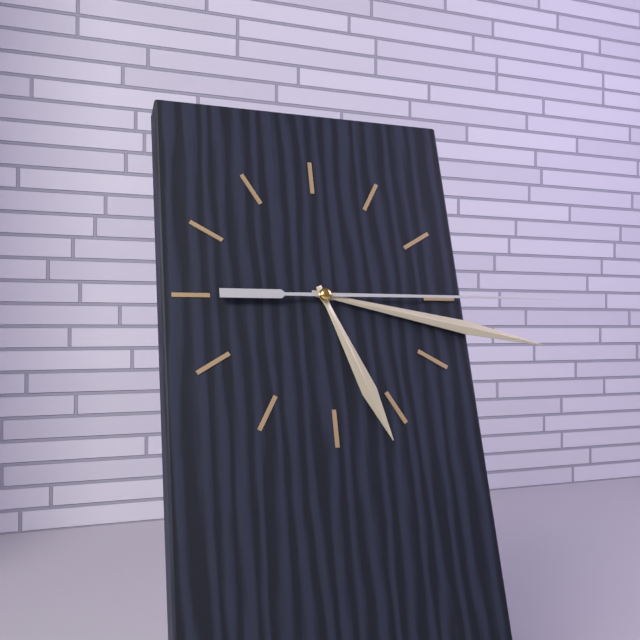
5:17:15
